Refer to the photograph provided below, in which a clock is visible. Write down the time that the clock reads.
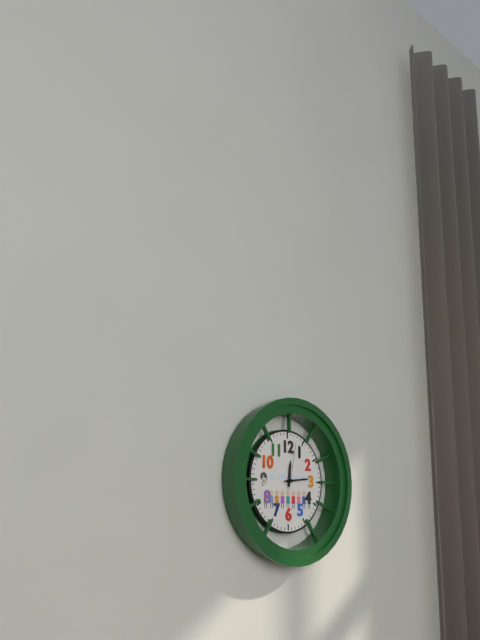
12:14
